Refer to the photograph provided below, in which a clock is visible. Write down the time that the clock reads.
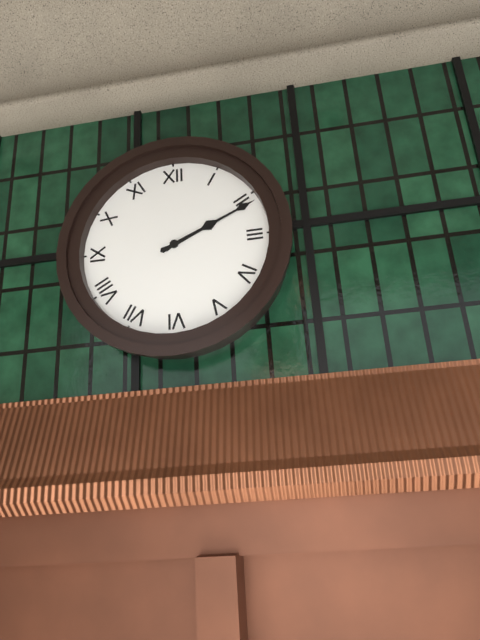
2:11
